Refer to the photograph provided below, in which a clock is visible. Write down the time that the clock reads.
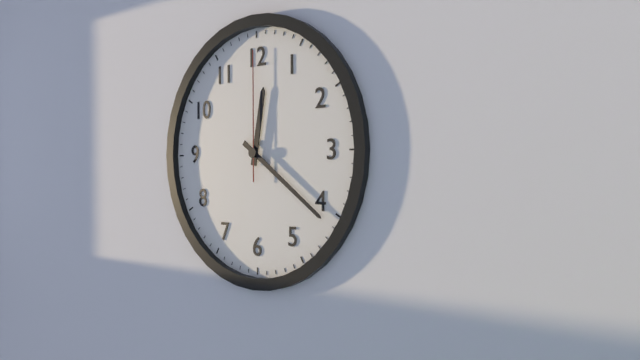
12:21:00
